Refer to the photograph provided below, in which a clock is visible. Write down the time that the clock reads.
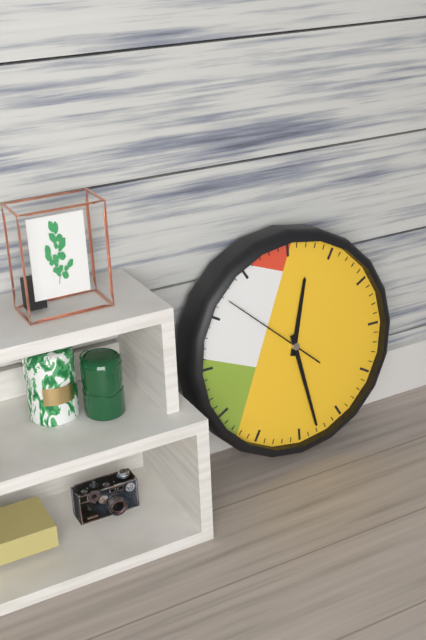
12:28:52
